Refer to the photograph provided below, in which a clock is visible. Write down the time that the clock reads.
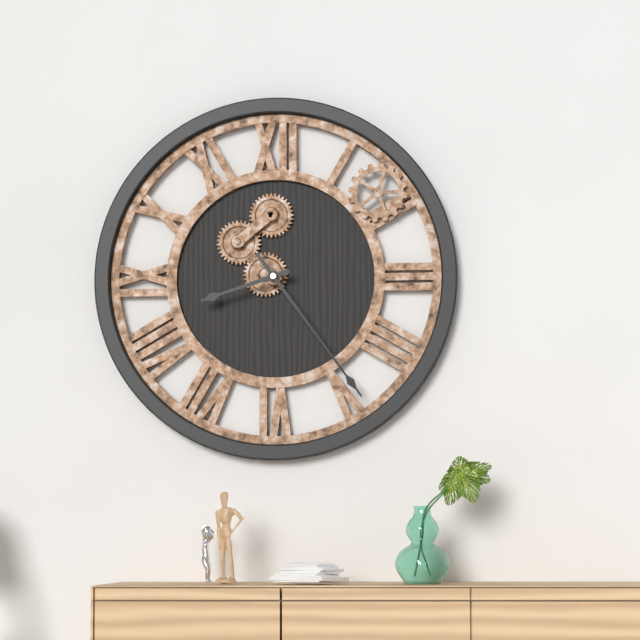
8:24
